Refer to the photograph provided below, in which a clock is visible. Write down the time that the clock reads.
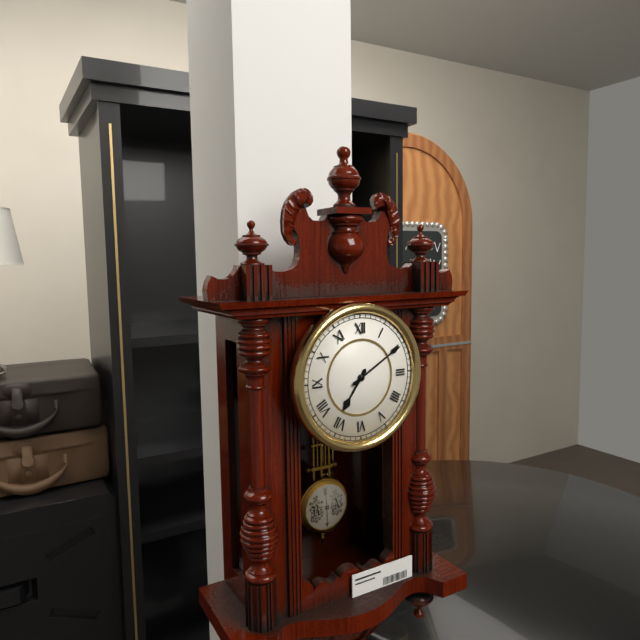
7:10
